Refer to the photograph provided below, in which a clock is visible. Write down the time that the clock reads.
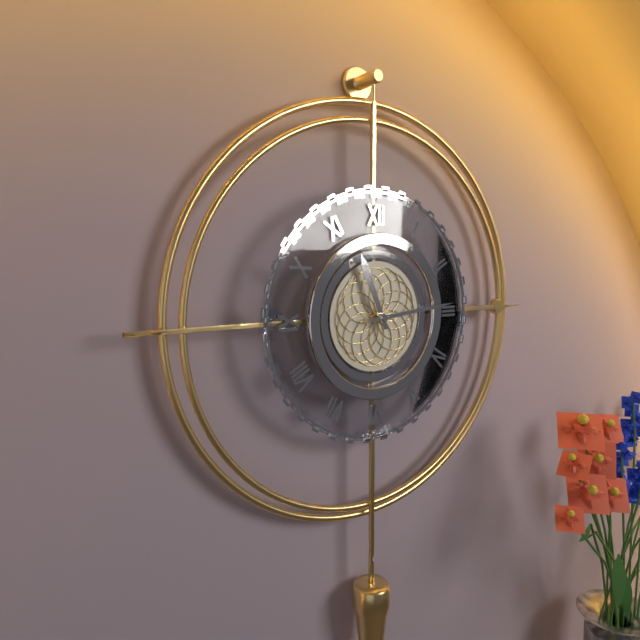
11:14
